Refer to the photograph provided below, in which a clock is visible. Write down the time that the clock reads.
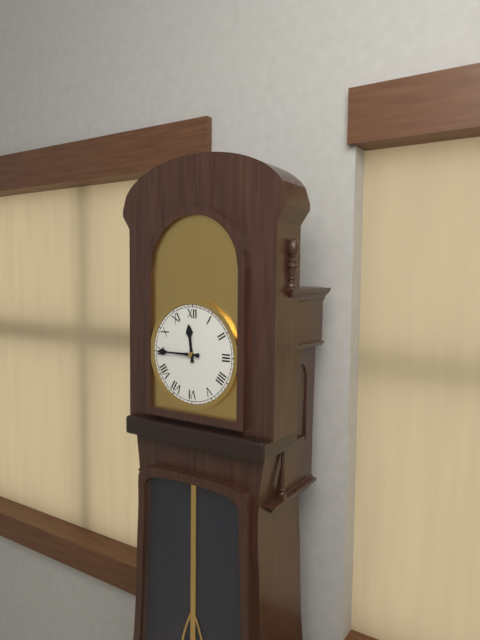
11:45
